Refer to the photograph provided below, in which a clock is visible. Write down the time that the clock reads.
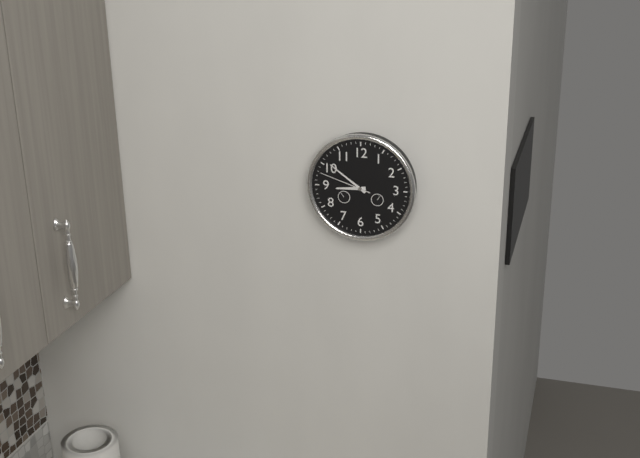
8:51:48
